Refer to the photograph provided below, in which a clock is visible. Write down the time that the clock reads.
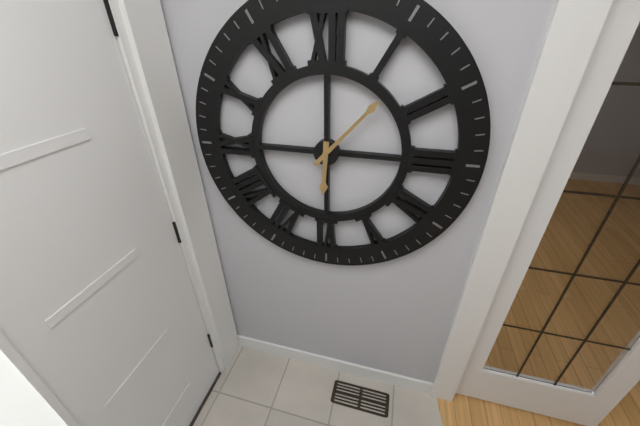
6:07
